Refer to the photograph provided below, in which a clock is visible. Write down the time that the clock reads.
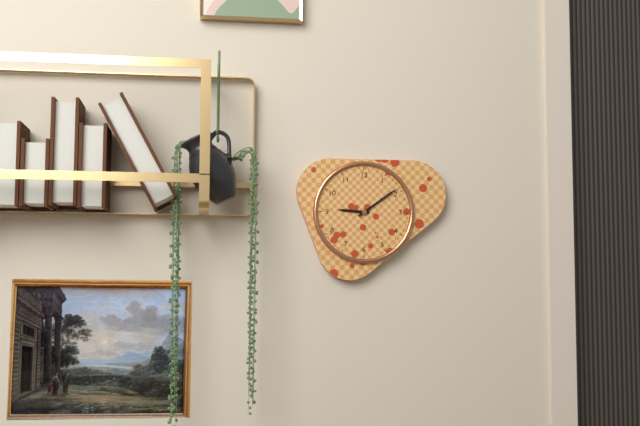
9:09
